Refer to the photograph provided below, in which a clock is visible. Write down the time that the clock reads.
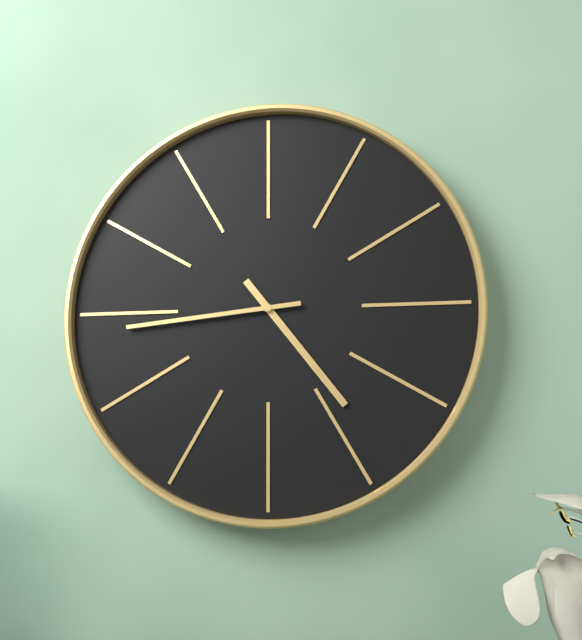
4:44
